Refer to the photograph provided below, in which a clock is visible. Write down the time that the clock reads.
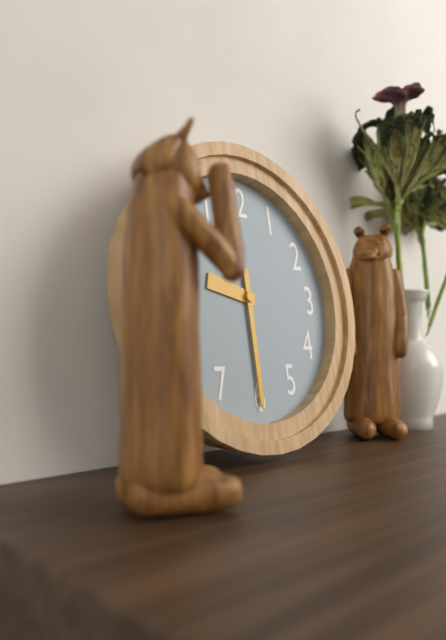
9:30
